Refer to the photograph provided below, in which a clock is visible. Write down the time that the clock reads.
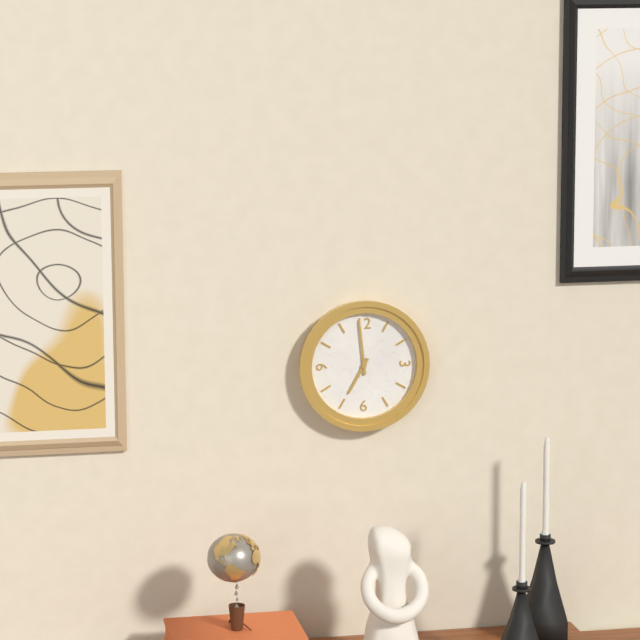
6:59
